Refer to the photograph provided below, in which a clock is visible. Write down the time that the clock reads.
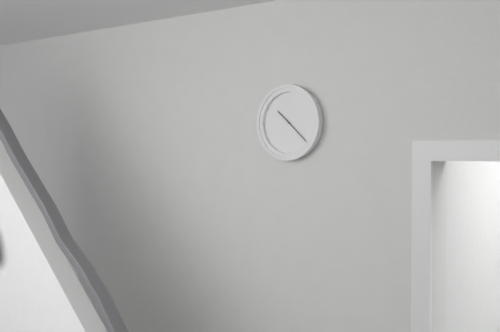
10:22
